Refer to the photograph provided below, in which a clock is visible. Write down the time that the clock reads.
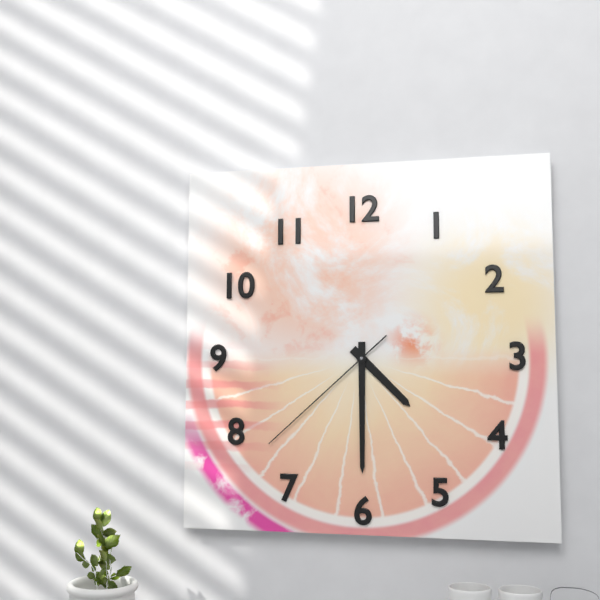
4:30:38
